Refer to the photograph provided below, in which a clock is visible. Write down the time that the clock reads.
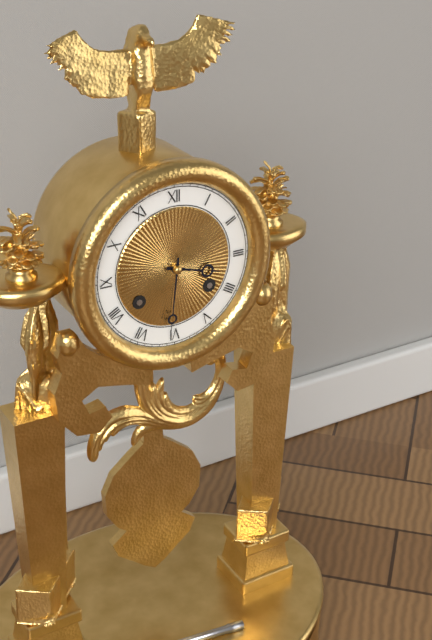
3:31
